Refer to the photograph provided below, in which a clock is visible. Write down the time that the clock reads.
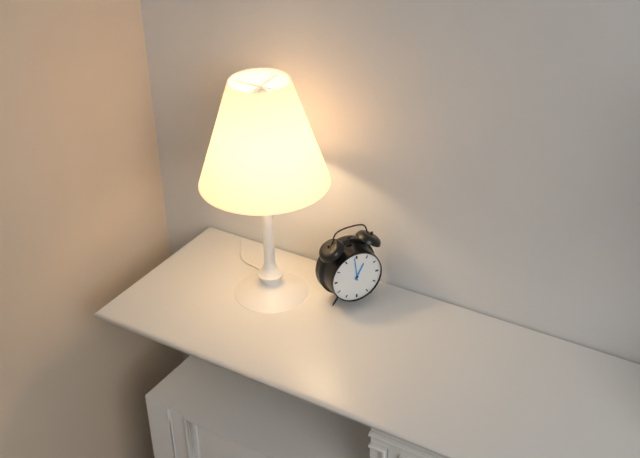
12:59
